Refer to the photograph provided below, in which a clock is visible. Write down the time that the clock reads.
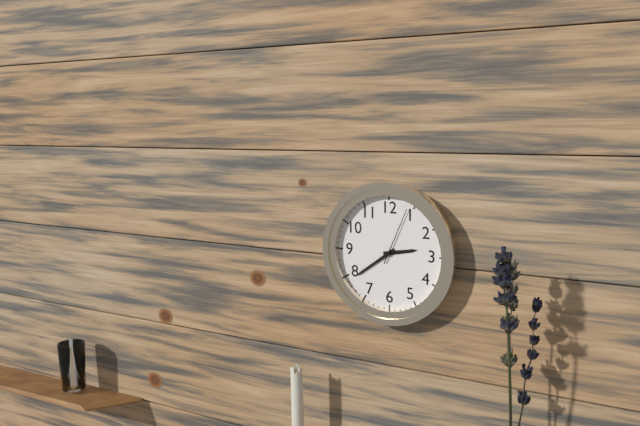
2:39:04
